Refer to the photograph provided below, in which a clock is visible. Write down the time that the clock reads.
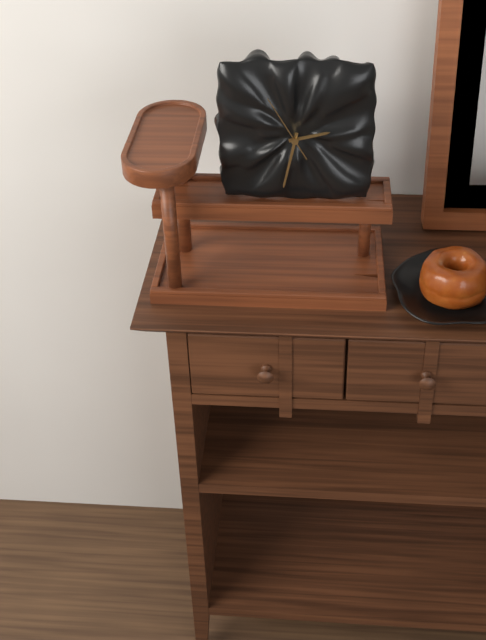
2:32:55
